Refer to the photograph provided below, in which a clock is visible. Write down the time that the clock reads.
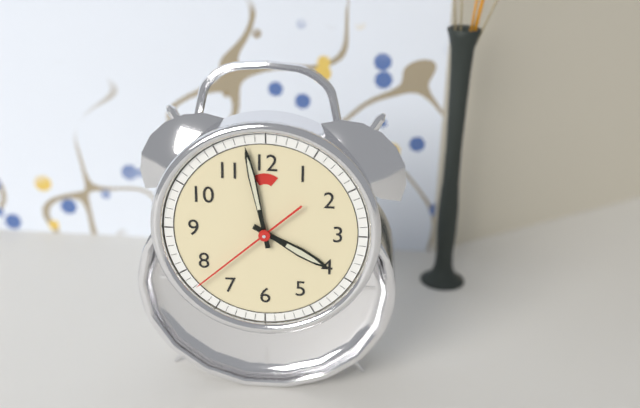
3:58:38
